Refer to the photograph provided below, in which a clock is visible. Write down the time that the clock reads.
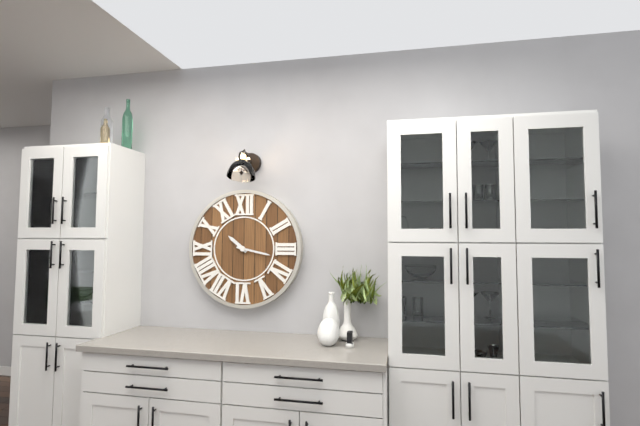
10:17
